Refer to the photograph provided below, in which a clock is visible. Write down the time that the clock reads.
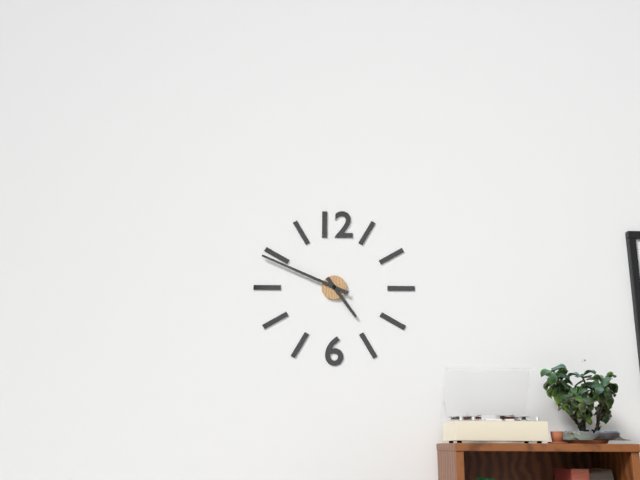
4:49
